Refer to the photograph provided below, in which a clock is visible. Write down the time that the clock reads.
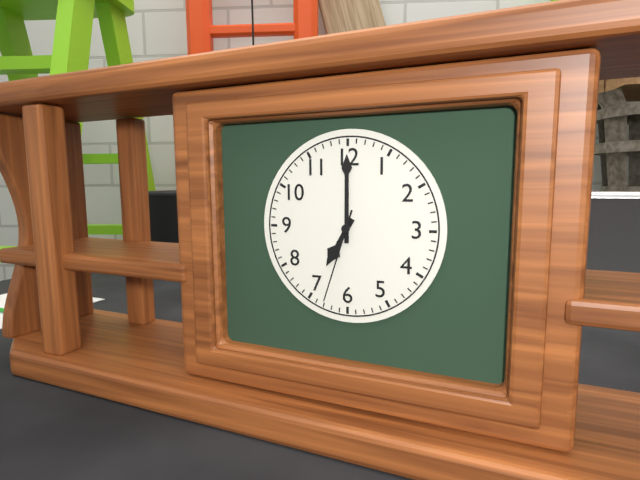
7:00:33
